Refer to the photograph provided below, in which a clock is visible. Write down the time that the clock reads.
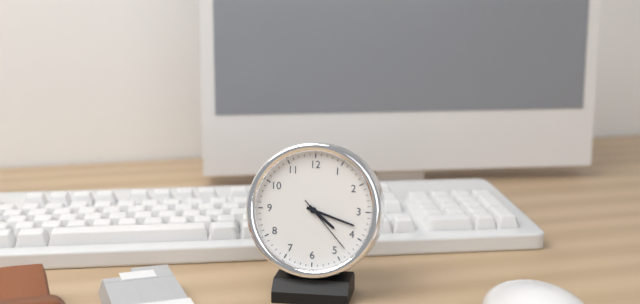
4:18:23
